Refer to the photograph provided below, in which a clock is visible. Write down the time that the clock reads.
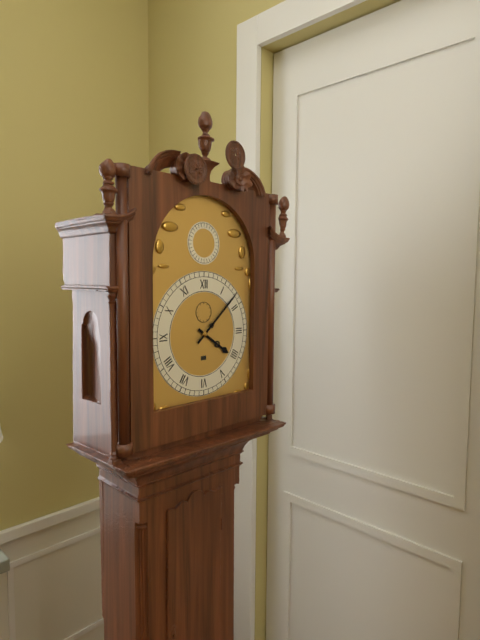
4:08
